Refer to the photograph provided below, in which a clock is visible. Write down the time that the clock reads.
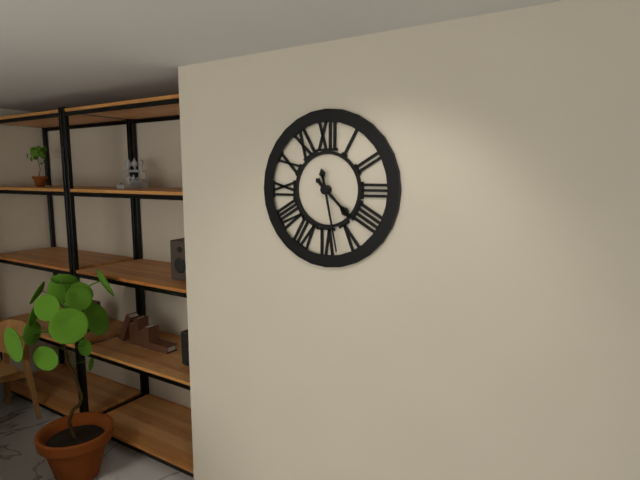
4:28
